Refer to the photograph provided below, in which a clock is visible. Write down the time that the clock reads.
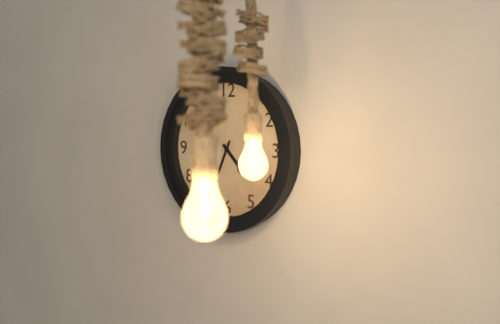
4:34
